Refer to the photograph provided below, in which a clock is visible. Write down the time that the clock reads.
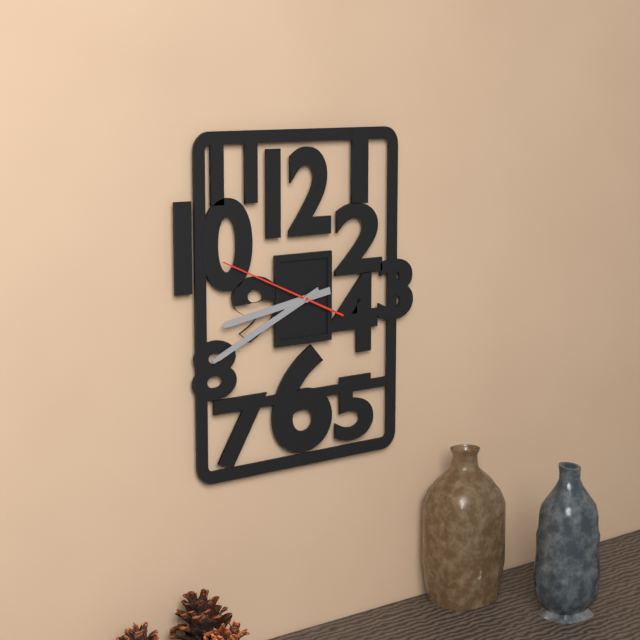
8:41:49
